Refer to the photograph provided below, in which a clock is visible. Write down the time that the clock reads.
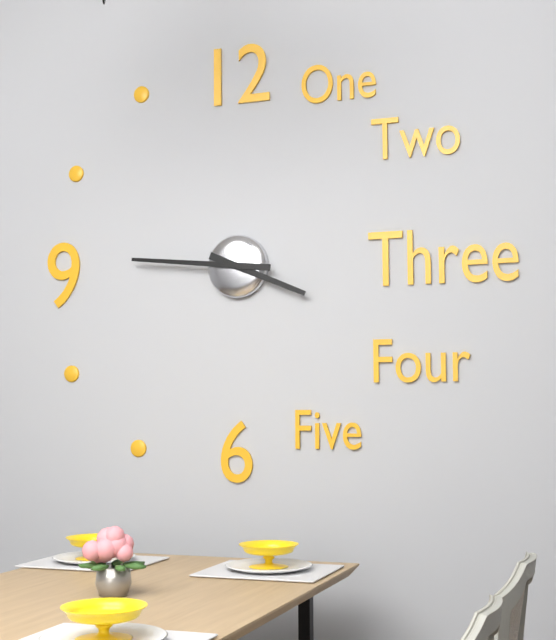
3:46
